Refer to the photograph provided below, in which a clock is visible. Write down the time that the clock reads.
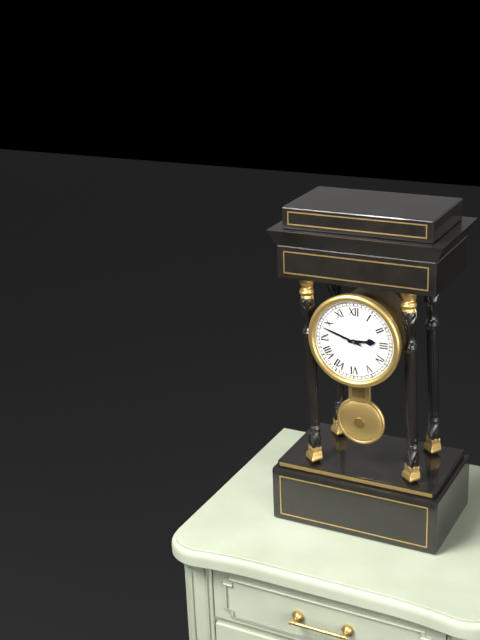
2:48
